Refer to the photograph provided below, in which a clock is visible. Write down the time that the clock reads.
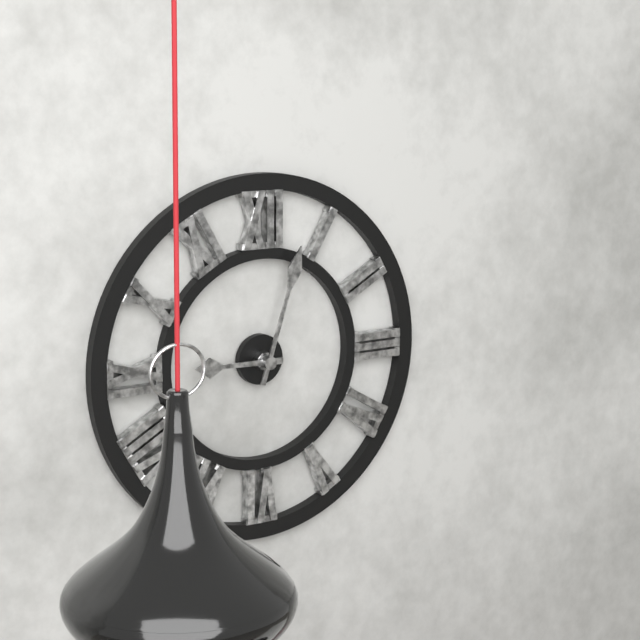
9:03
